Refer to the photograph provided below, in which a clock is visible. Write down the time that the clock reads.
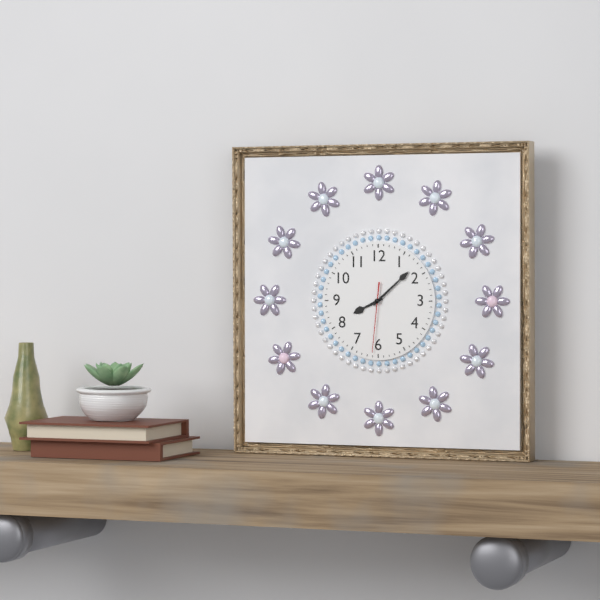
8:08:31
